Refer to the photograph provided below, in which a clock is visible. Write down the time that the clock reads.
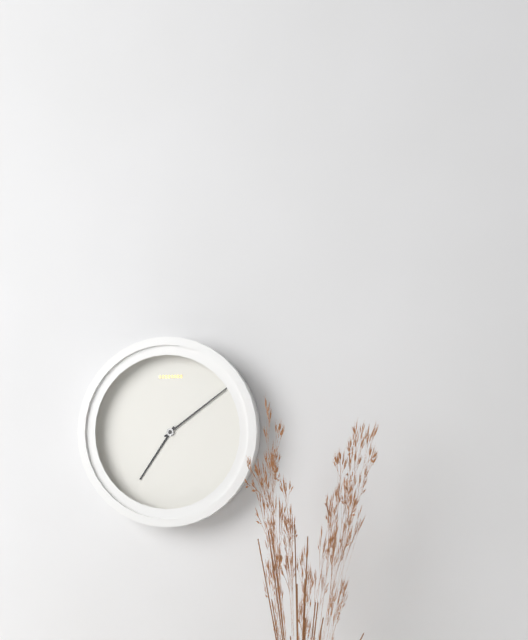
7:09
